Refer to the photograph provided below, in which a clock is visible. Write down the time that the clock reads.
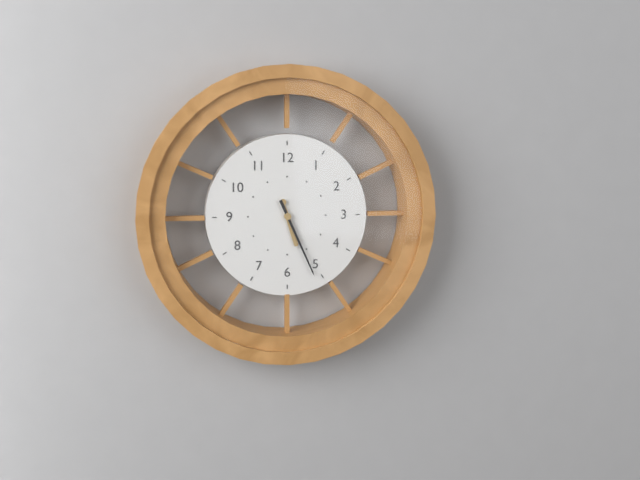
5:26
